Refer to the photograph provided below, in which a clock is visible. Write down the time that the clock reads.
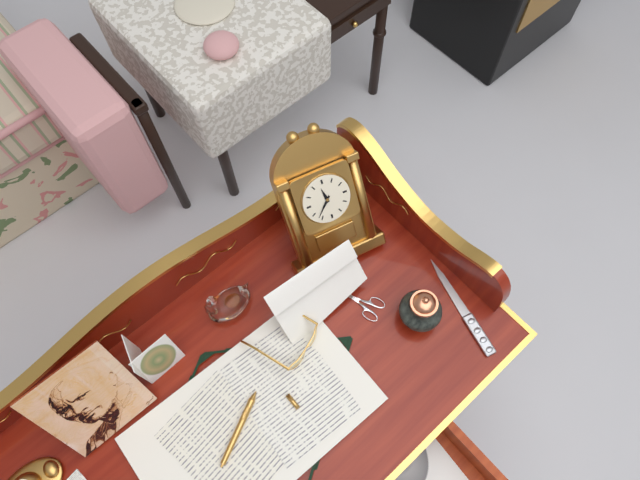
11:37
